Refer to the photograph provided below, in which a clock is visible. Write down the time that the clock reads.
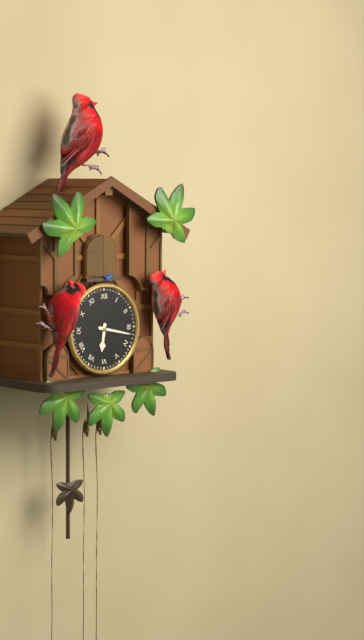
6:17
